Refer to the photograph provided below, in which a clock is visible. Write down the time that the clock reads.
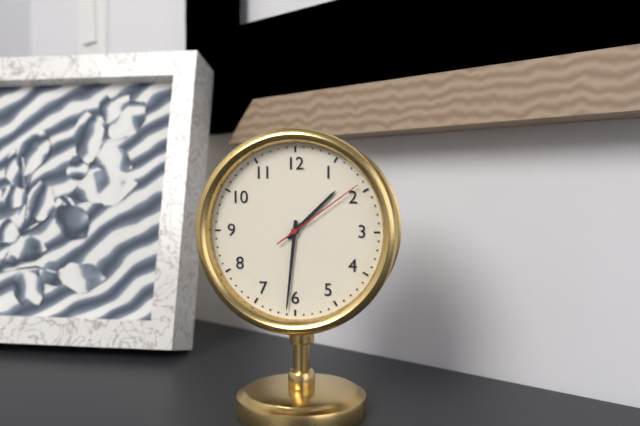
1:31:09
